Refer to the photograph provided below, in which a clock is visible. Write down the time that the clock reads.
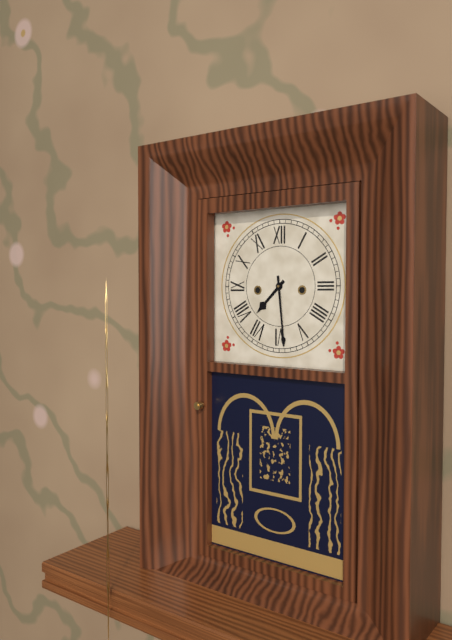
7:29
